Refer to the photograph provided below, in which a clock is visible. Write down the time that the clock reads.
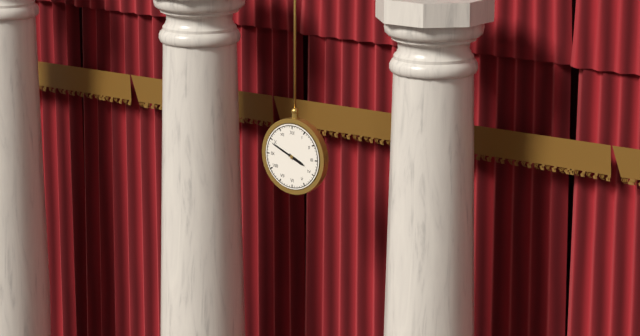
3:49
